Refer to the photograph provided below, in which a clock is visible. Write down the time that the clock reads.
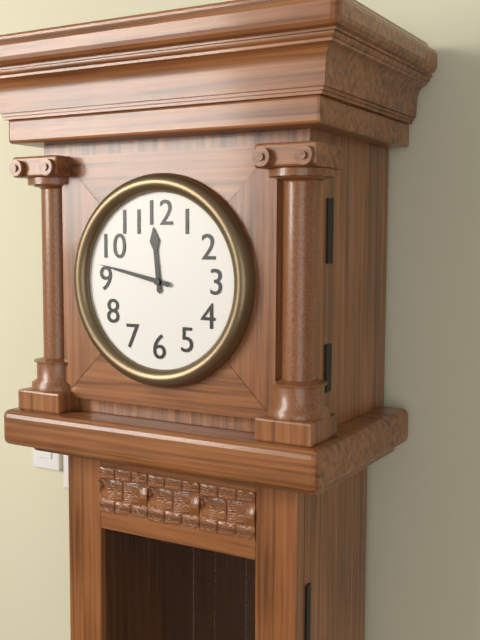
11:47
